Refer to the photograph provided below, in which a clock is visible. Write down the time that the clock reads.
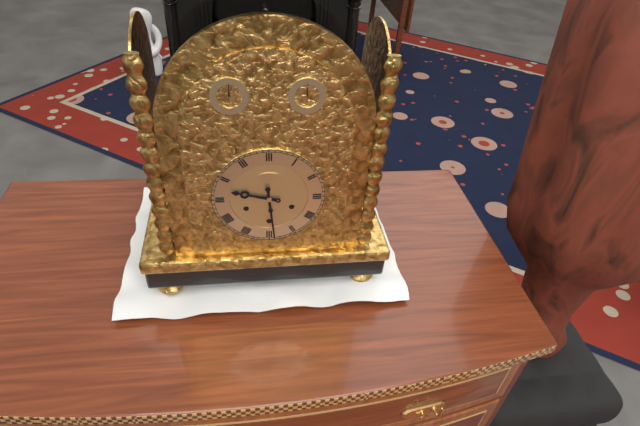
9:29
